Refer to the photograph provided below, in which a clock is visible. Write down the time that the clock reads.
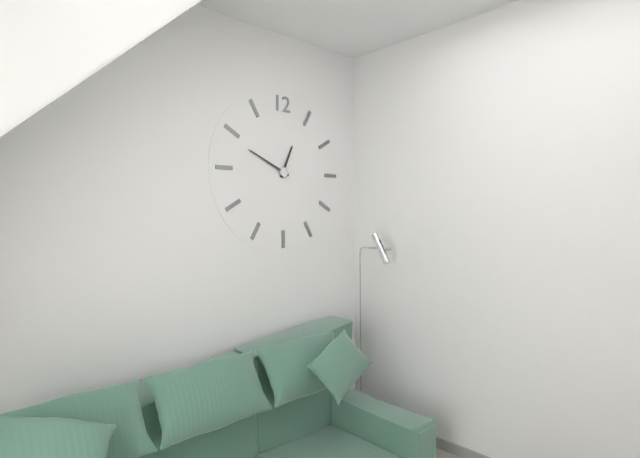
12:49
